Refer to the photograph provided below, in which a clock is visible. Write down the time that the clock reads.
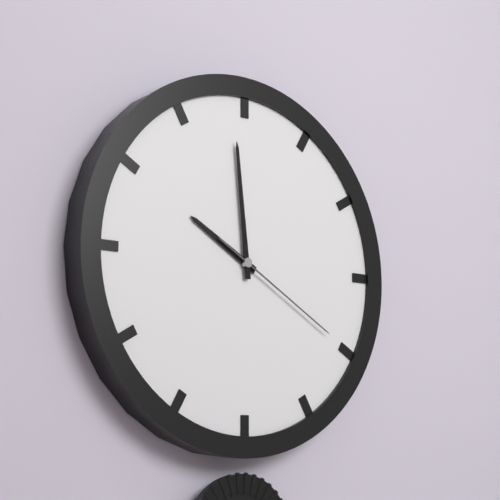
9:59:20
